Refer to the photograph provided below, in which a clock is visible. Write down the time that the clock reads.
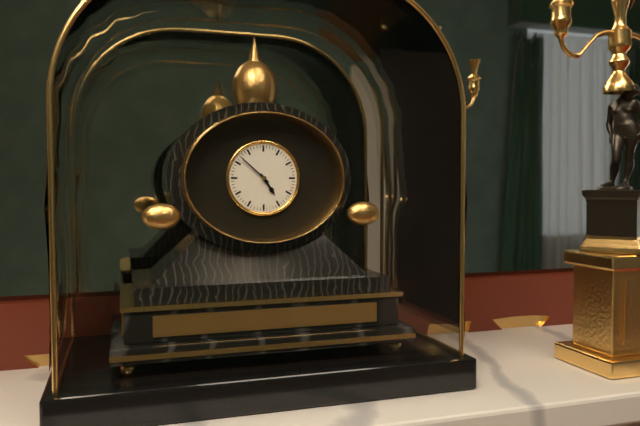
4:52
